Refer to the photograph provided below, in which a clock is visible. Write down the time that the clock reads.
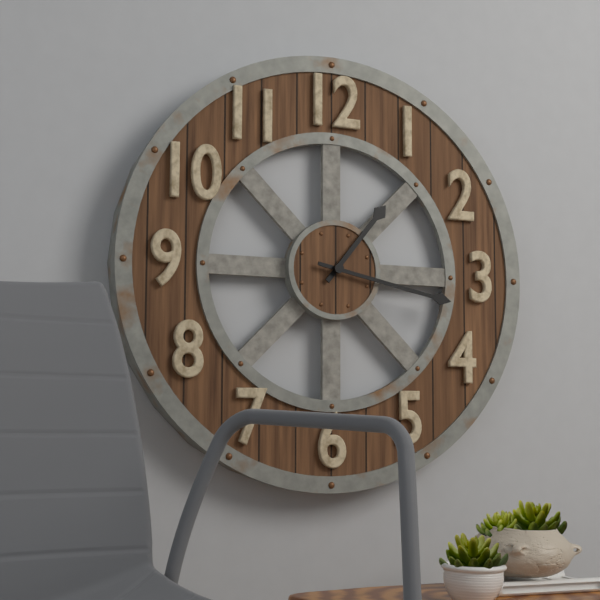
1:17
